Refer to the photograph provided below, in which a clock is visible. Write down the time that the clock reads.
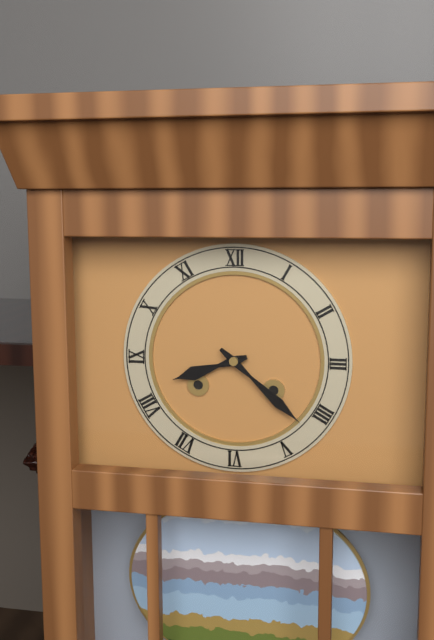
8:22
